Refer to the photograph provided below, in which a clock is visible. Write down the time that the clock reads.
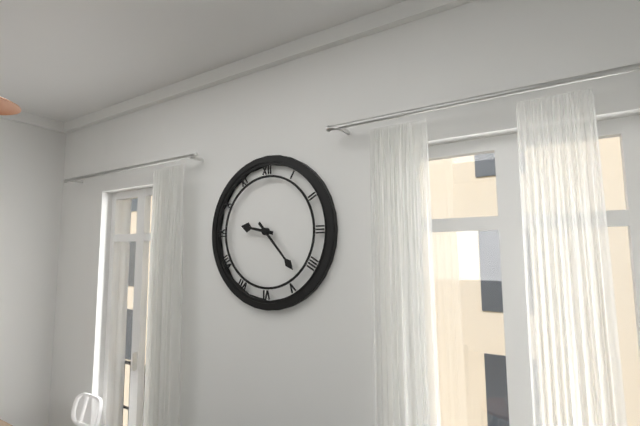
9:23
